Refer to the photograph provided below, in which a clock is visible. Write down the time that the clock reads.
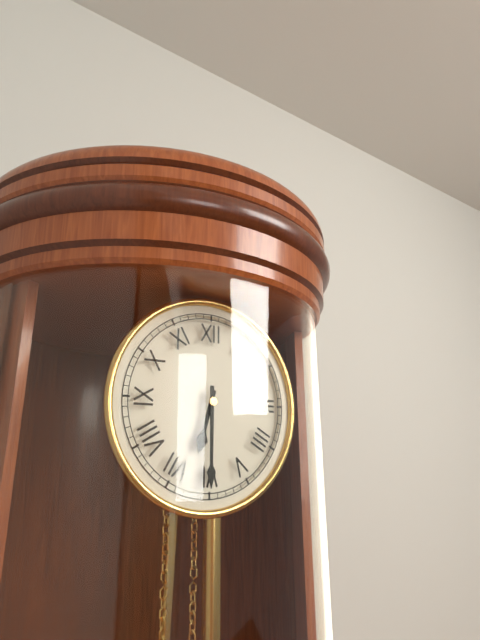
6:30
